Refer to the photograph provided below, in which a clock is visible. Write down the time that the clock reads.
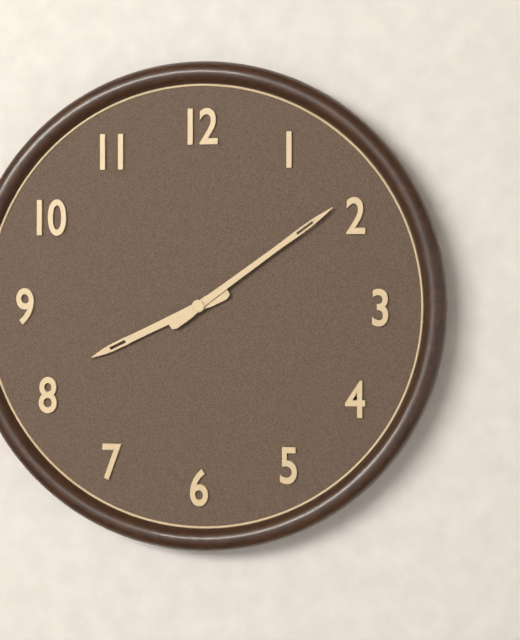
8:09
